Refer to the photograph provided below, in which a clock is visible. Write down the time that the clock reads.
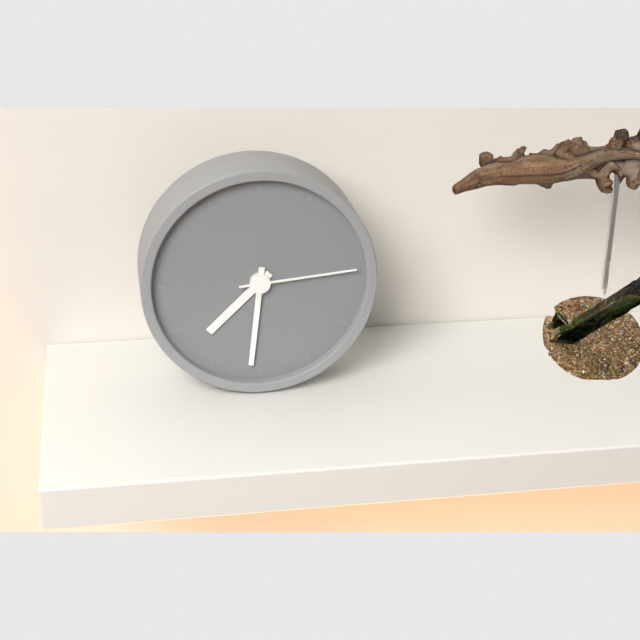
7:31:14
